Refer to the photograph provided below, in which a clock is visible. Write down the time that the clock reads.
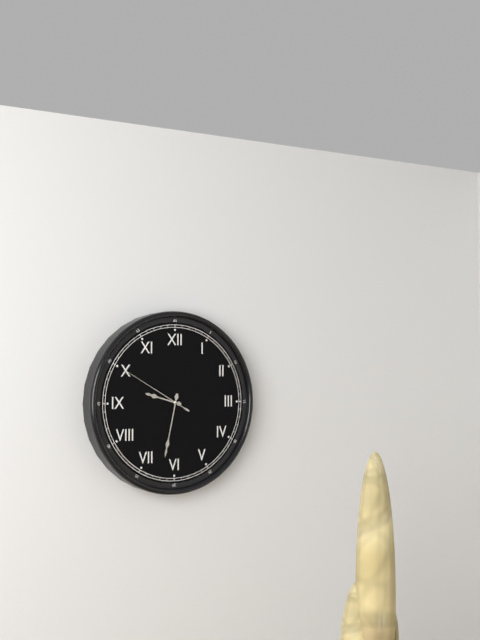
9:32:50
